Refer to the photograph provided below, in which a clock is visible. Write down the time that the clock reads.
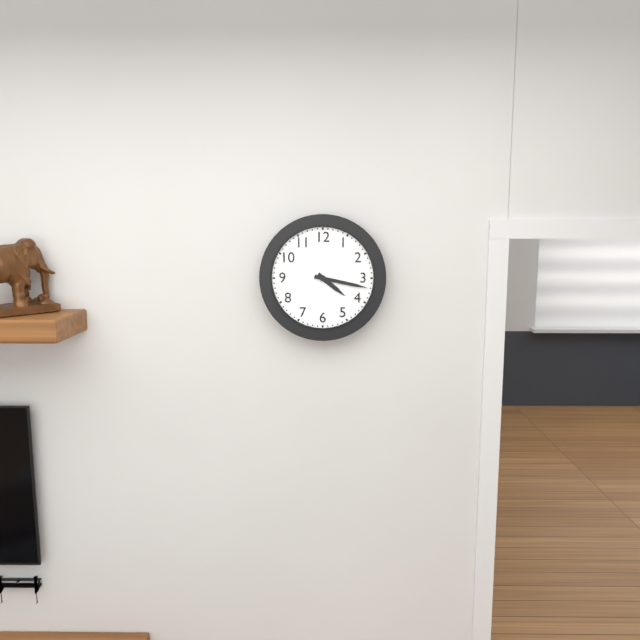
4:17
